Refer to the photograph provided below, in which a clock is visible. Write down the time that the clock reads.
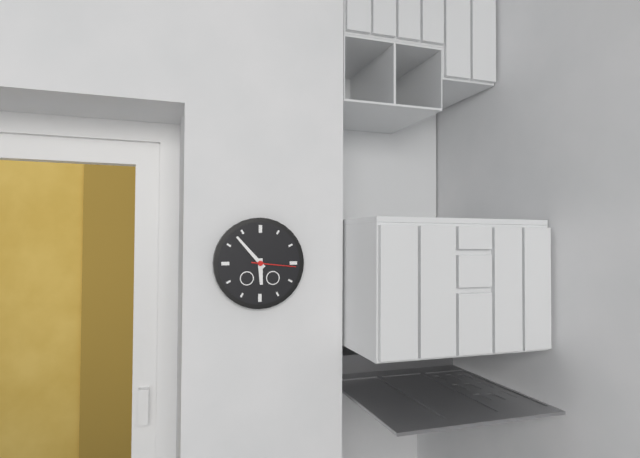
5:53
